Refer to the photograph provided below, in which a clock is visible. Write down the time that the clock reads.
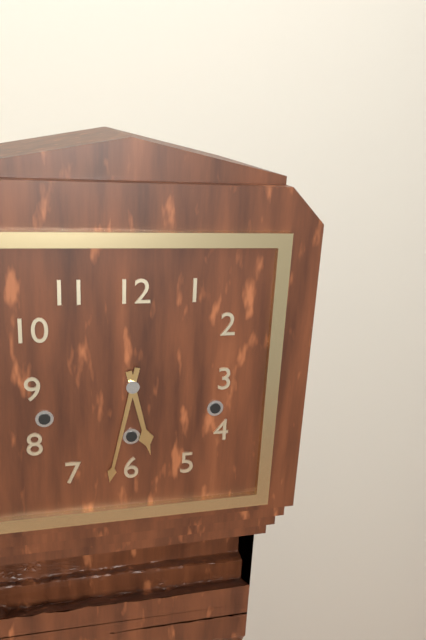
5:32
